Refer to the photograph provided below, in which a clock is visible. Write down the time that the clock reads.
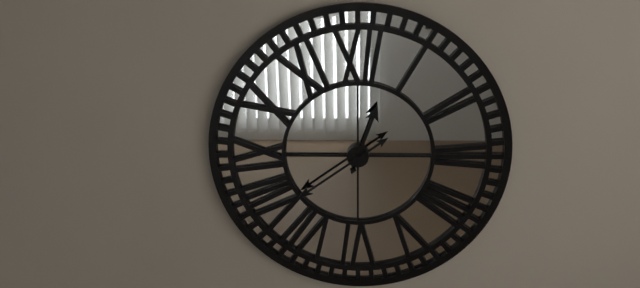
12:39
